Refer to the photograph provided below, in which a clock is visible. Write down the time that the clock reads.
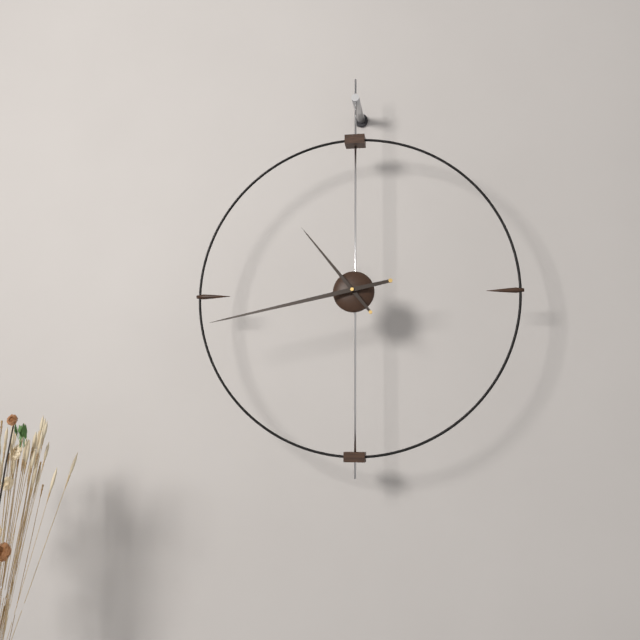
10:43
